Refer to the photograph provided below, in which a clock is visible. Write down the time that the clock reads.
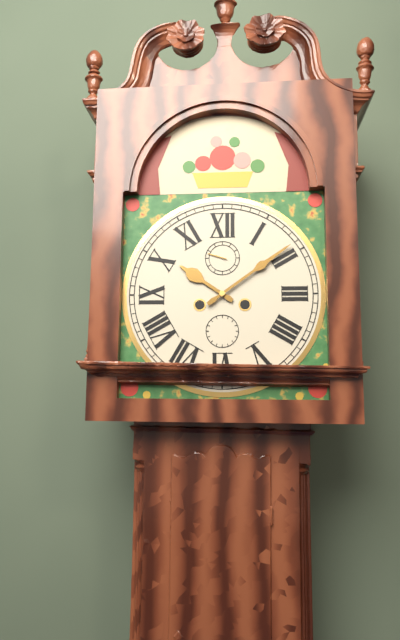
10:09
